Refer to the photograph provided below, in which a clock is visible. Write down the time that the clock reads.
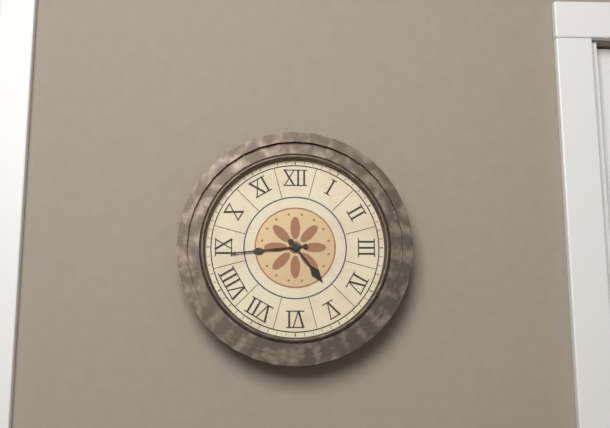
4:44
